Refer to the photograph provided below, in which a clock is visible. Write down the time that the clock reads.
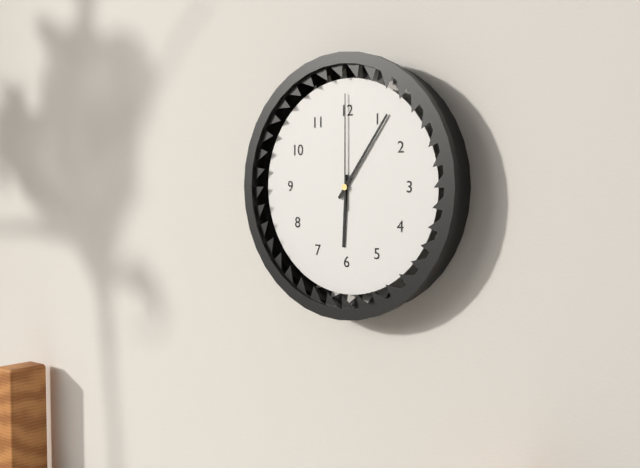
6:06:00
